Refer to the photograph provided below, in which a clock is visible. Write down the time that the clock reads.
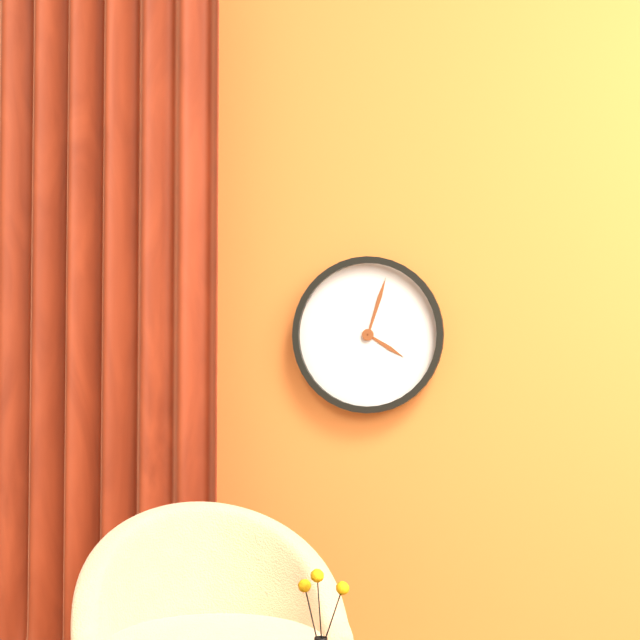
4:03
